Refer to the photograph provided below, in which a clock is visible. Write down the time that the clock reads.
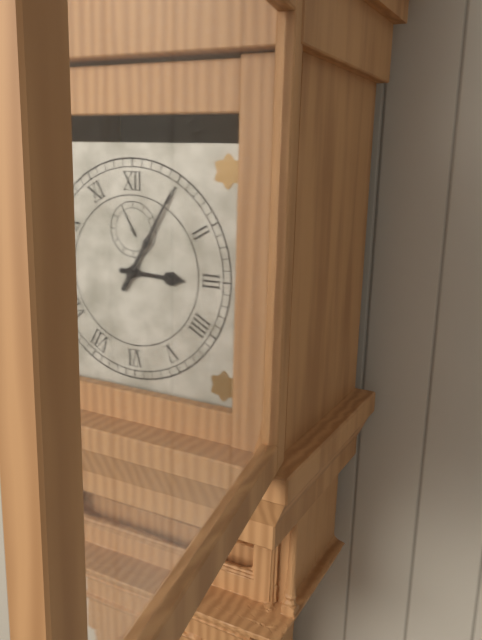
3:05
